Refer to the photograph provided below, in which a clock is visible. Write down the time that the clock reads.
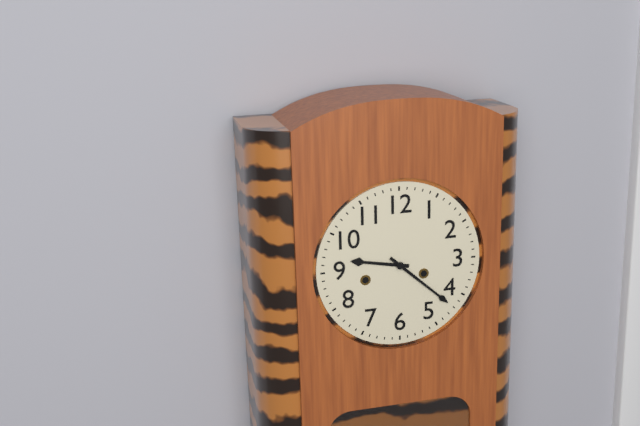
9:22
